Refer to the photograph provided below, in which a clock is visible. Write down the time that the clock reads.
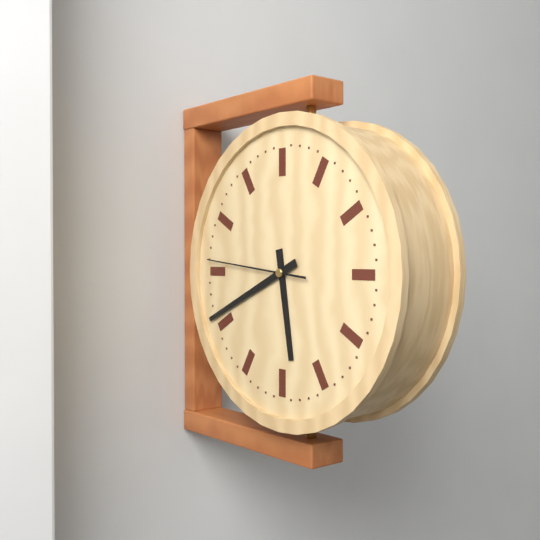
5:41:46
